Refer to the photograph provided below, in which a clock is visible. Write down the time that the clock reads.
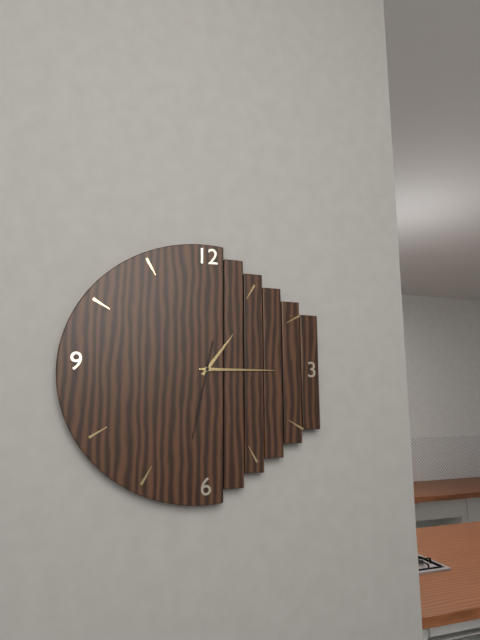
1:15:32
